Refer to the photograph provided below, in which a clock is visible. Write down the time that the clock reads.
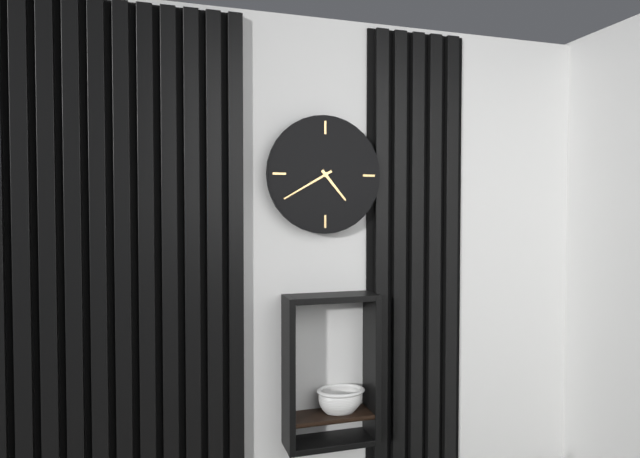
4:40
